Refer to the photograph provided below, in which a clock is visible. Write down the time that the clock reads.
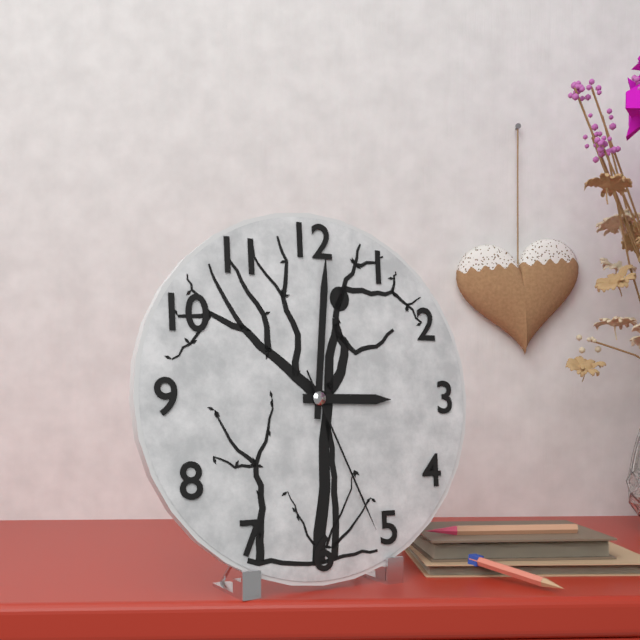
3:01:26
